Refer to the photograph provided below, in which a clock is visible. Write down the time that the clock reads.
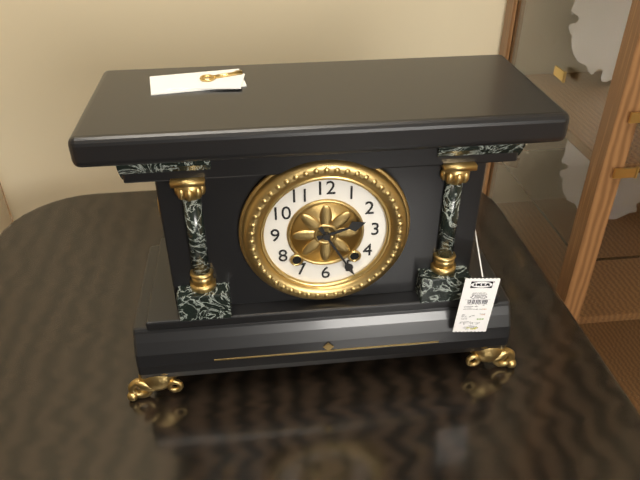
2:25
